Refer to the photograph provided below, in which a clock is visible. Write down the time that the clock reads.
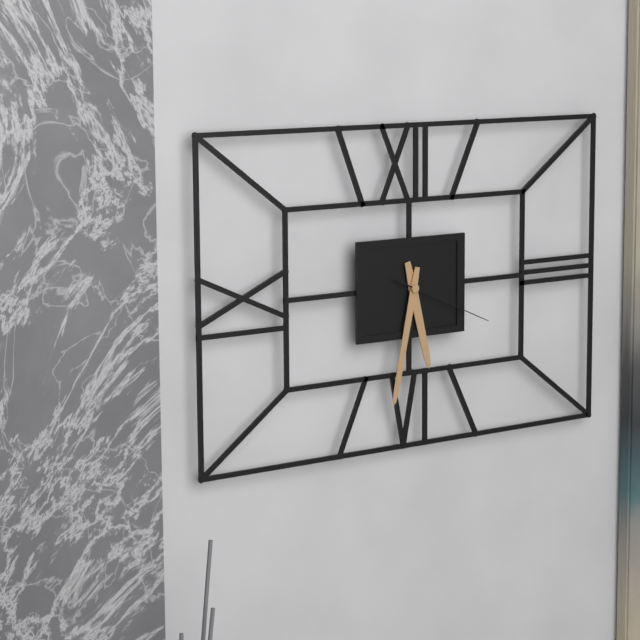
5:32:19
